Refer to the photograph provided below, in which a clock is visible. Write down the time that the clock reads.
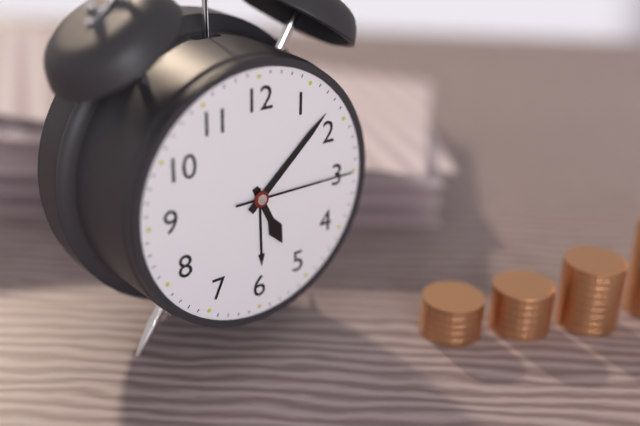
5:08:15
